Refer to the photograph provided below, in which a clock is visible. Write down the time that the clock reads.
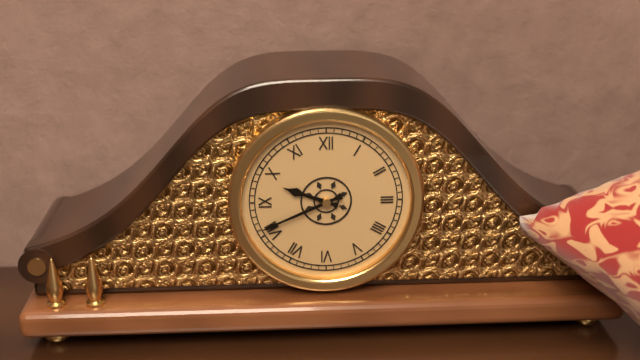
9:41
